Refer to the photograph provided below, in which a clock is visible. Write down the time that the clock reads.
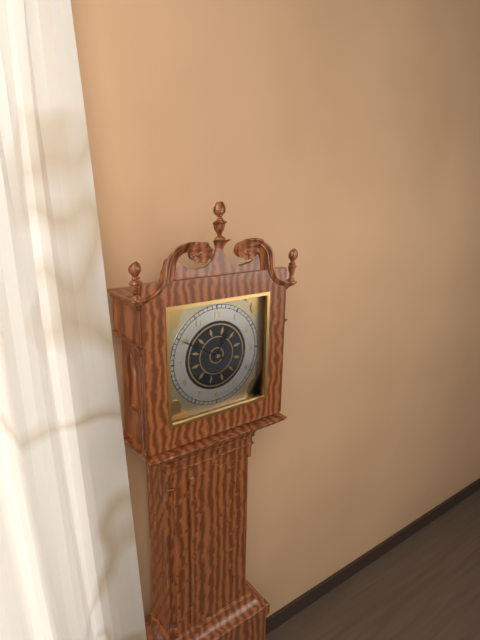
12:50
